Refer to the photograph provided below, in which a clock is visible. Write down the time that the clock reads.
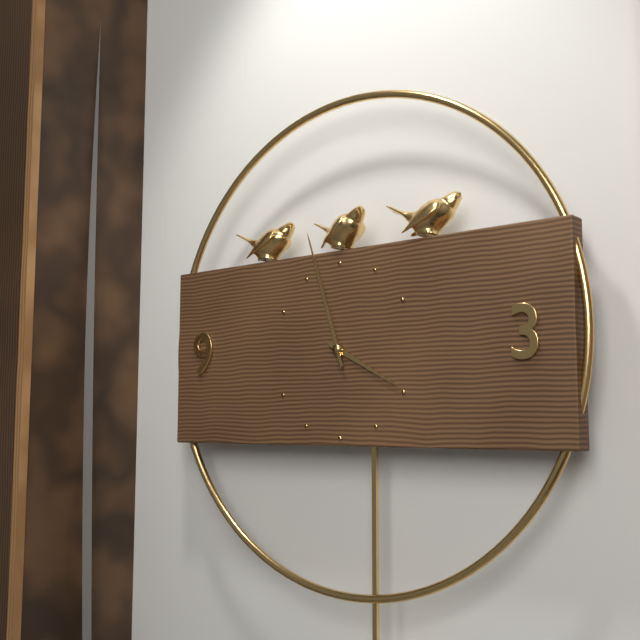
3:57
